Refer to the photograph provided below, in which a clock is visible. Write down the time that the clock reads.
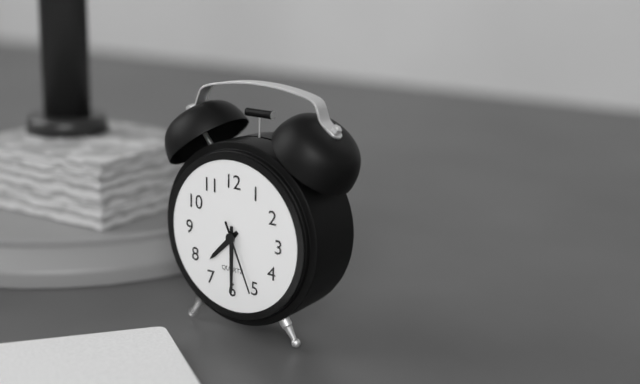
7:30:26
